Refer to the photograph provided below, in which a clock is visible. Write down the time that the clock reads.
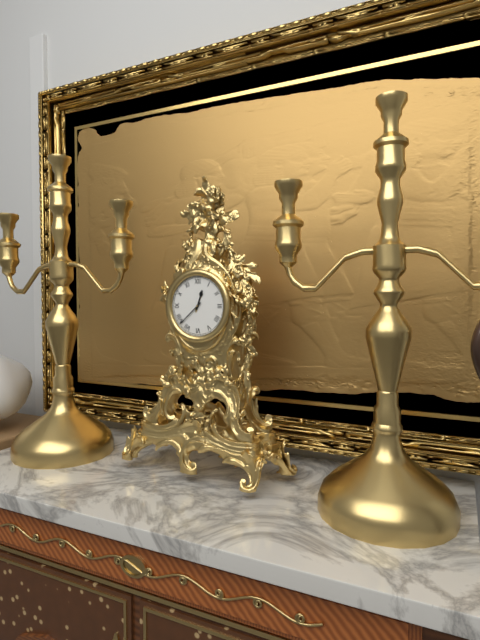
12:38
